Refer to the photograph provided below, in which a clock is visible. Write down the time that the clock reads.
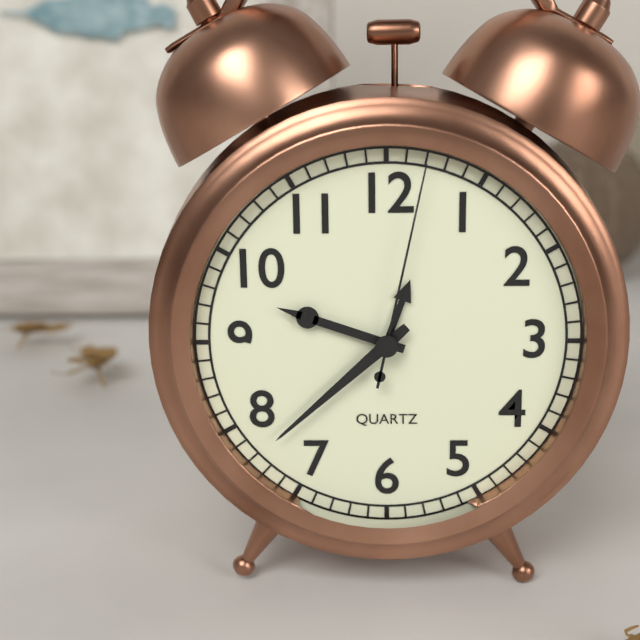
9:38:02
